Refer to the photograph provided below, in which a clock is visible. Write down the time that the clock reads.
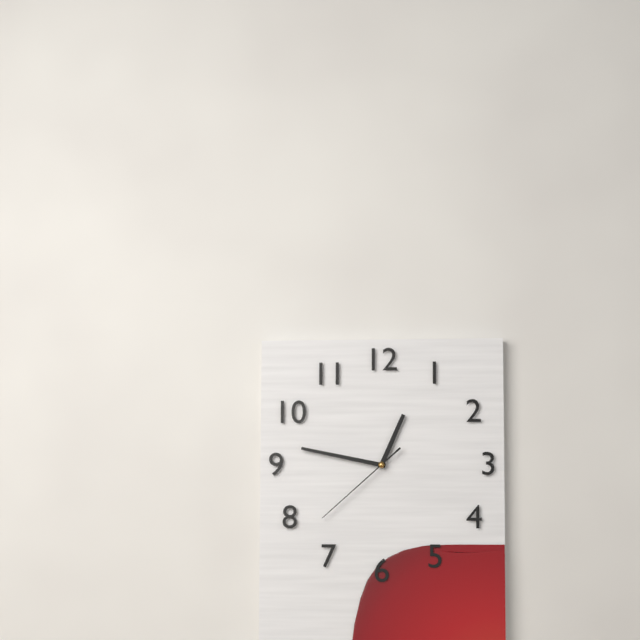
12:47:38
